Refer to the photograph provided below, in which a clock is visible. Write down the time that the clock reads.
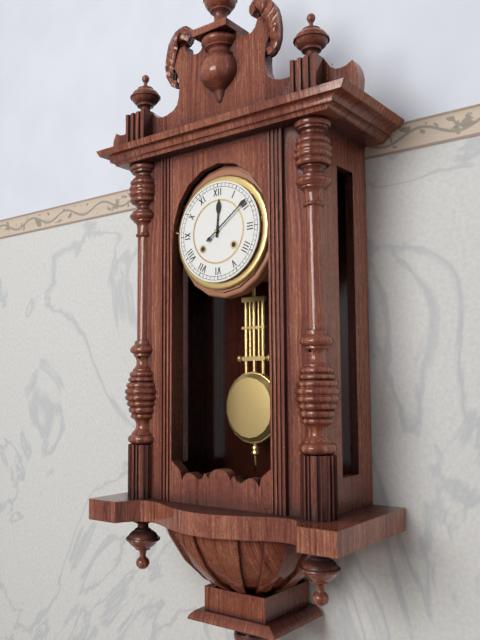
12:09
